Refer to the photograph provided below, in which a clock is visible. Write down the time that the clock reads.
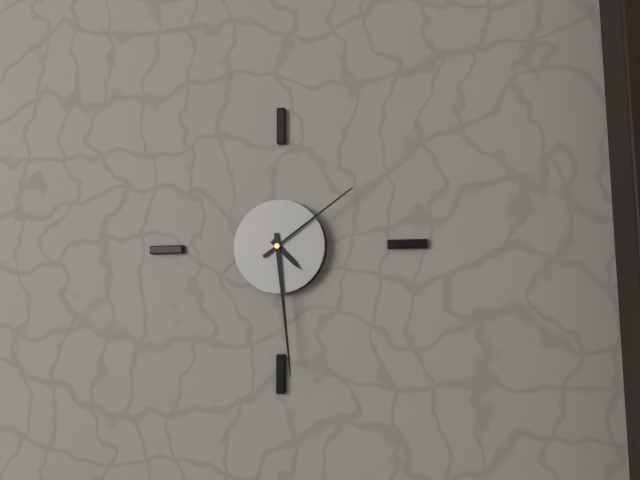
4:29:09
